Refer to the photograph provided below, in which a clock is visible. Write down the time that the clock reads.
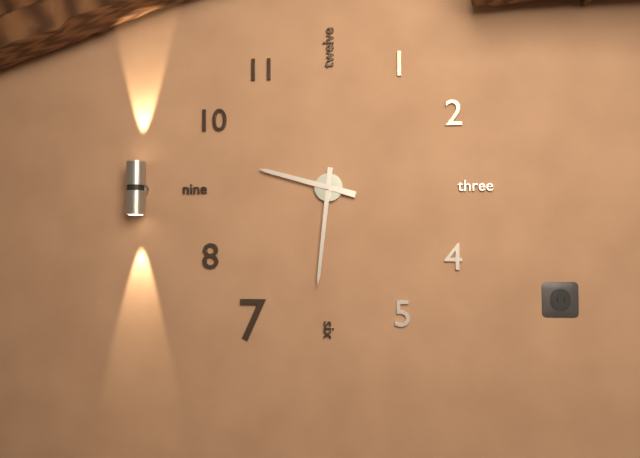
9:31
